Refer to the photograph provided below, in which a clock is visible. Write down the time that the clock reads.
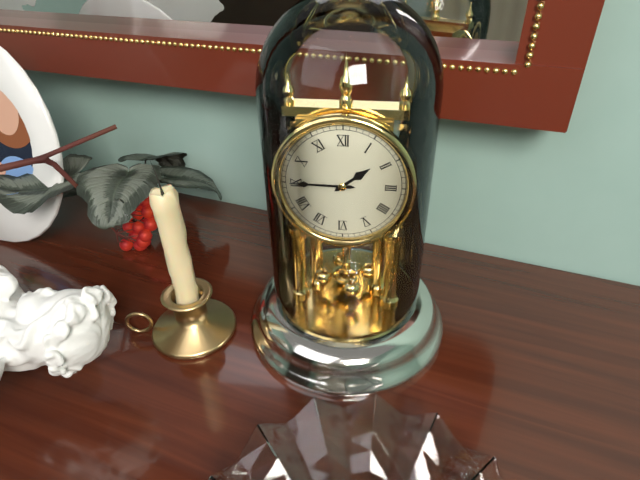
1:45
